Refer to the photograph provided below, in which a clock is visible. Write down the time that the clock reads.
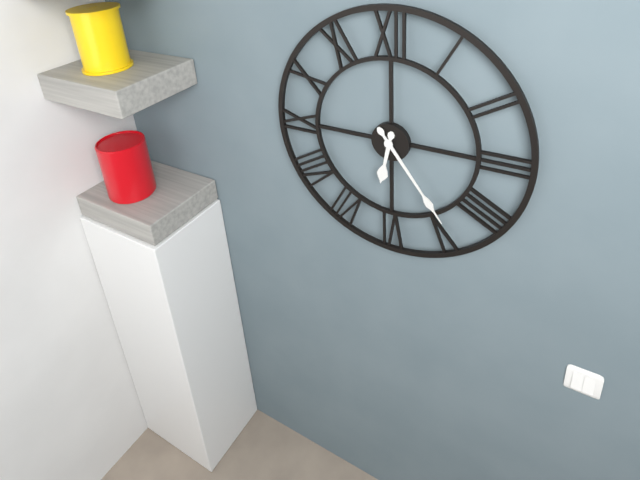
6:24
